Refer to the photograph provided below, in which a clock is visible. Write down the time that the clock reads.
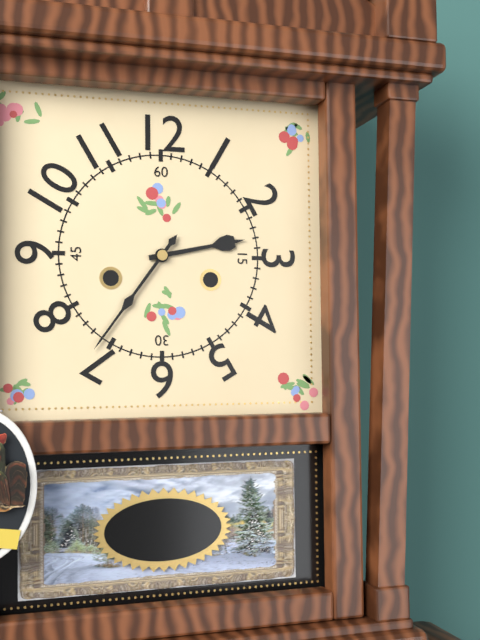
2:36
